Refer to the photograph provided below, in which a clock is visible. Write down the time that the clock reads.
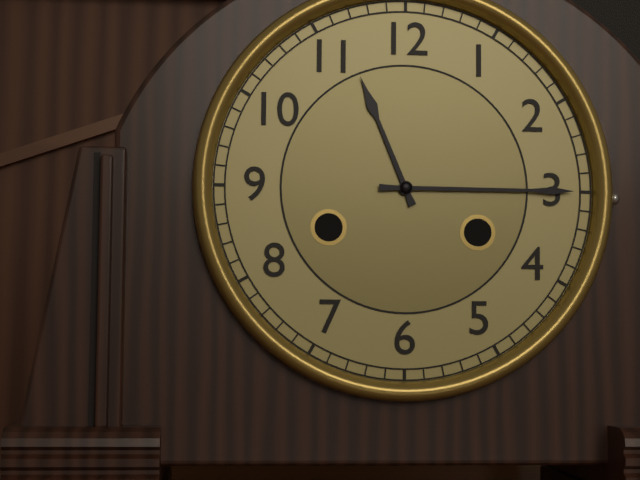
11:15
